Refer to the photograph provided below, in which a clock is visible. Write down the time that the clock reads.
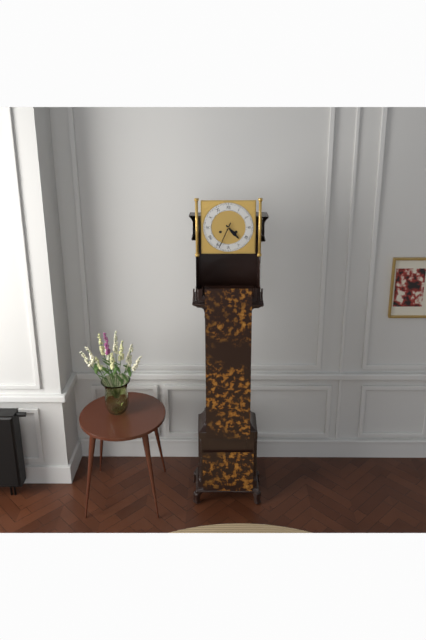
4:34
